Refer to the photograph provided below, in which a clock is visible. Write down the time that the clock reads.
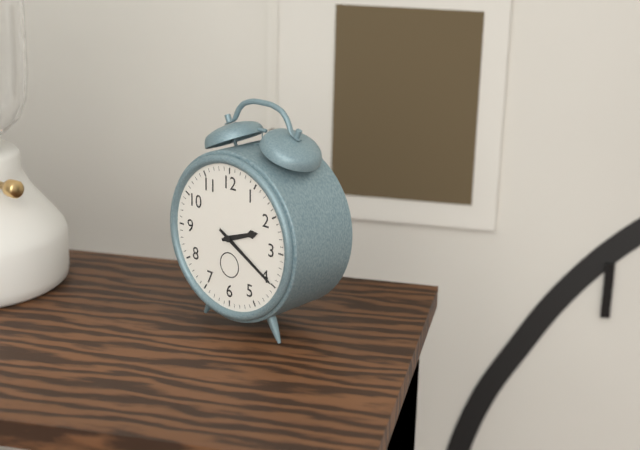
2:20
